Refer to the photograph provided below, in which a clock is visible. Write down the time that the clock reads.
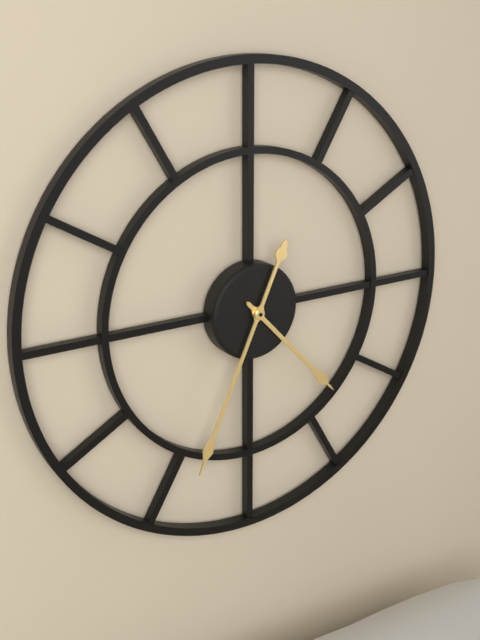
4:34
